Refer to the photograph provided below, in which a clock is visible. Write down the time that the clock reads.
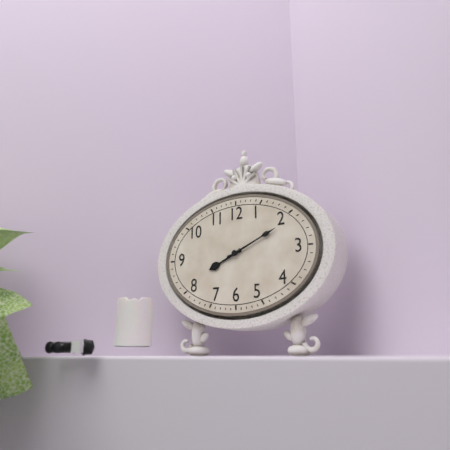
8:11
